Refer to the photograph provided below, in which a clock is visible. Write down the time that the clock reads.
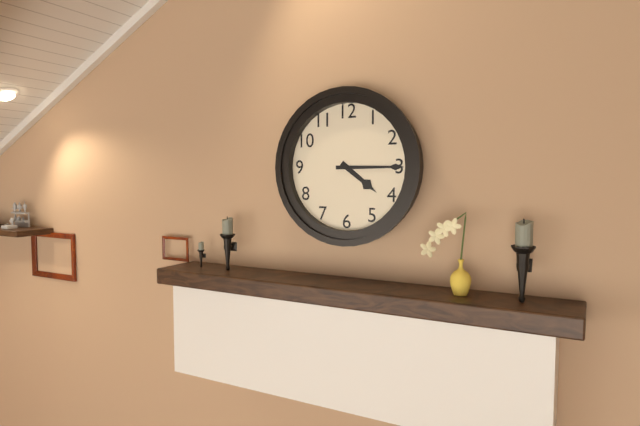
4:15
